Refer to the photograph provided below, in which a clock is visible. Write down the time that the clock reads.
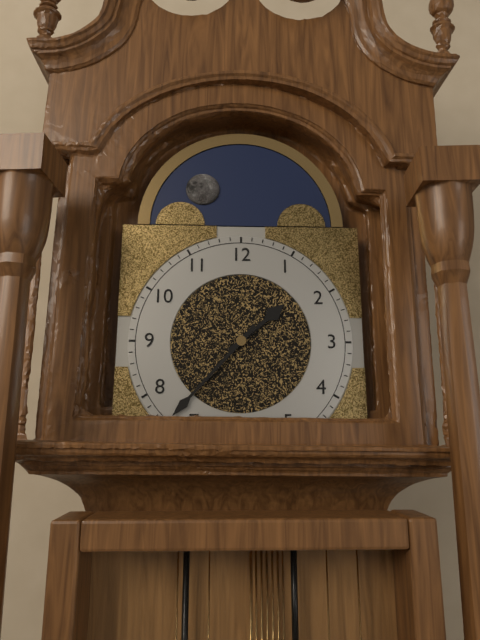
1:37
